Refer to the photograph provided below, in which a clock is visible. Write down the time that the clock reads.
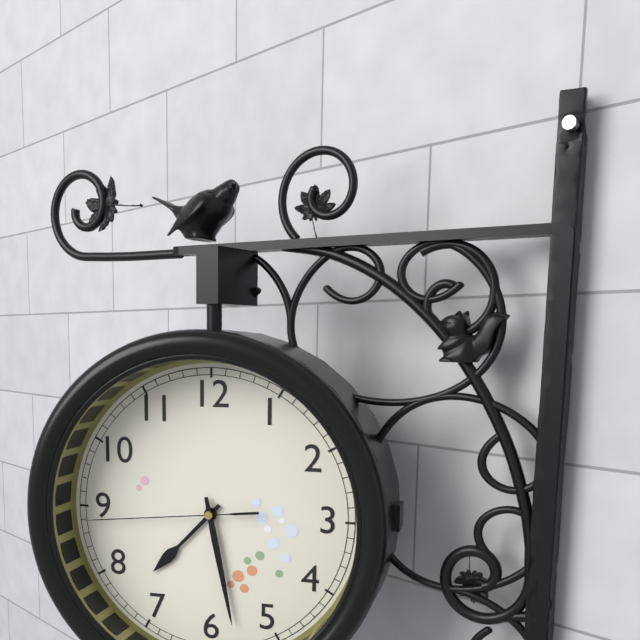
7:28:44
